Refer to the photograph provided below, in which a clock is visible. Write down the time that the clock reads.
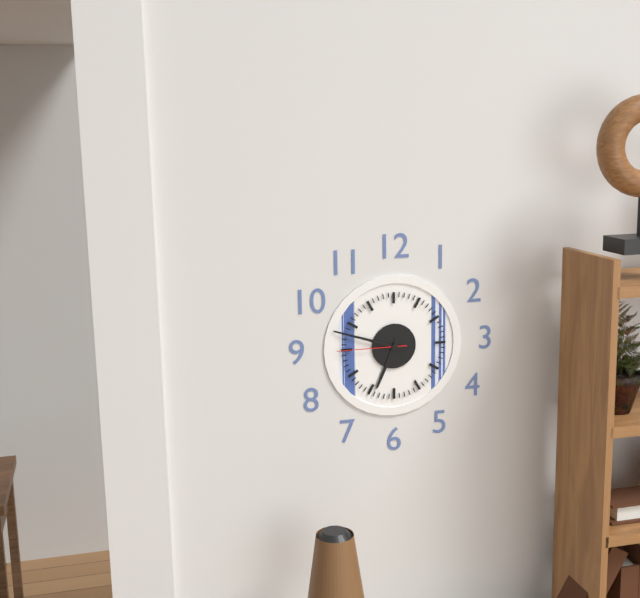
6:48:45
